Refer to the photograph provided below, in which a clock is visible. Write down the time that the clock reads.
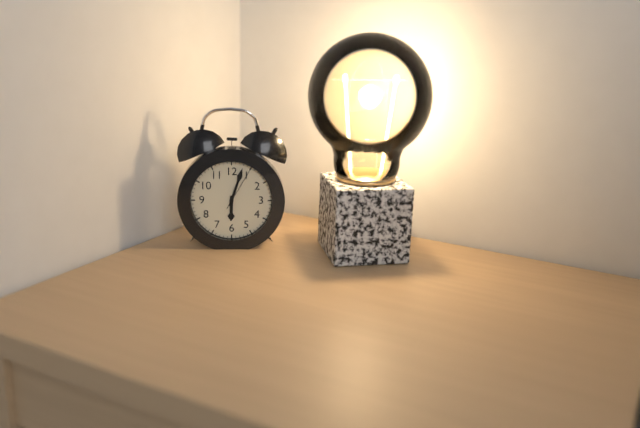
6:03
